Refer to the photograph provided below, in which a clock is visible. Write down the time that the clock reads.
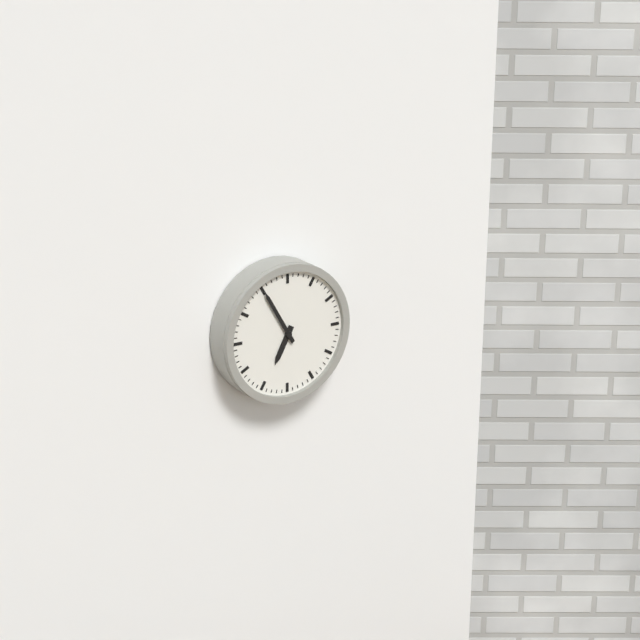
6:55
